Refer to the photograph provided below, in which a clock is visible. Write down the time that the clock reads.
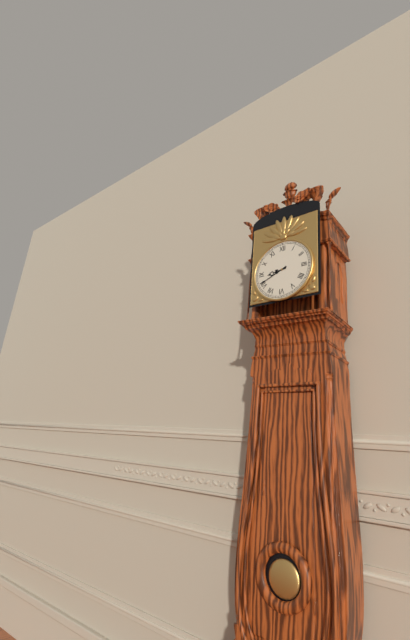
8:41
